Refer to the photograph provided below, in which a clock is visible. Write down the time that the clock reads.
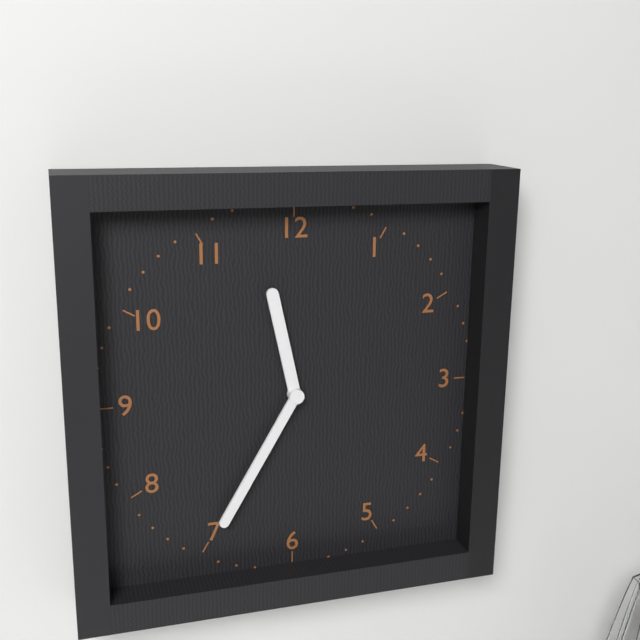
11:35
